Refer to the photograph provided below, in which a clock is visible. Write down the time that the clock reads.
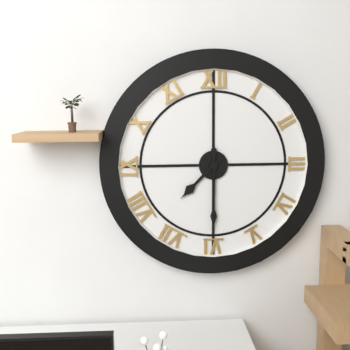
7:30
